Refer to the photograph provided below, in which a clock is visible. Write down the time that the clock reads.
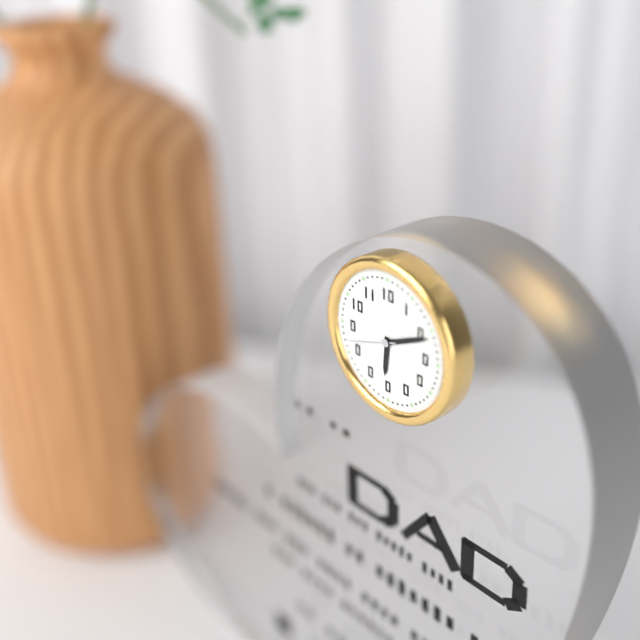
6:11:42
